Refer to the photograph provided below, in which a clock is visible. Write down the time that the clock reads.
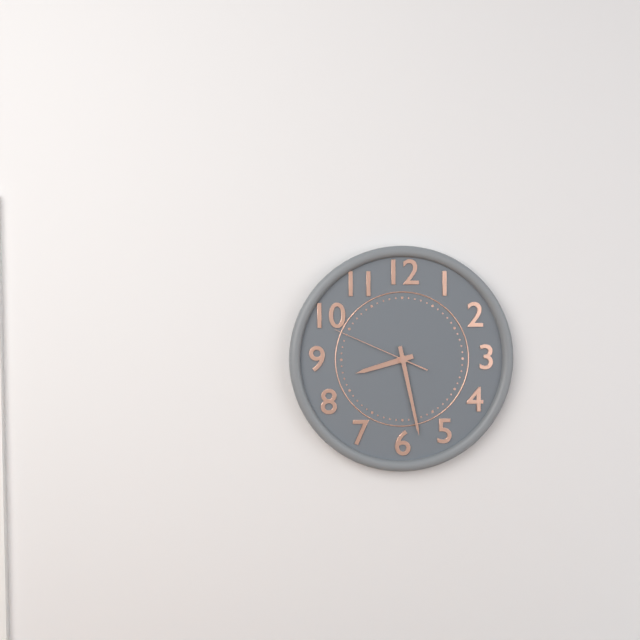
8:28:49
